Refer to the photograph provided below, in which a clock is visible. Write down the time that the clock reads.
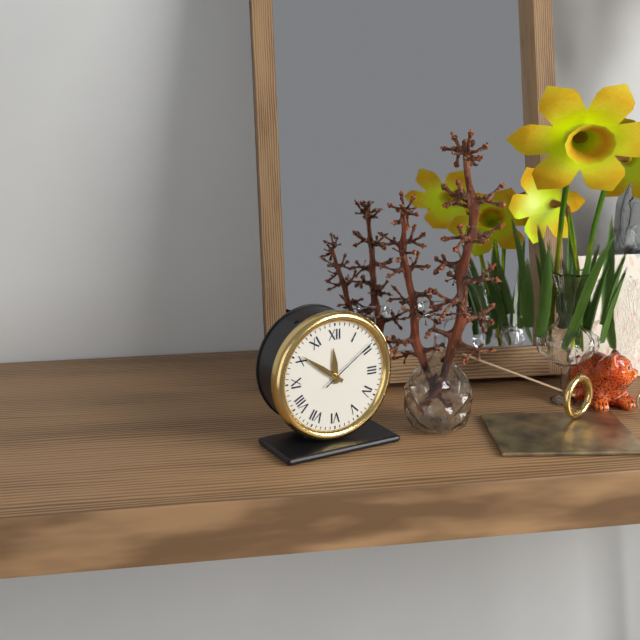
11:51:09
